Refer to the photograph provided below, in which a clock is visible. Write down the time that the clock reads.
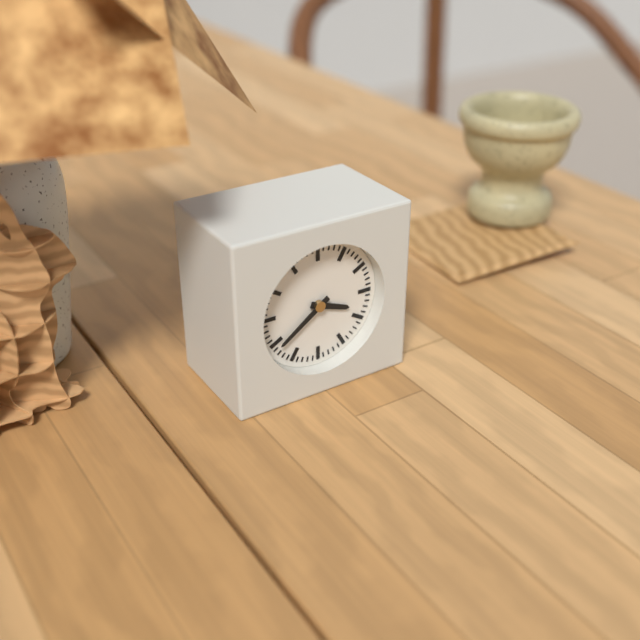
3:39
